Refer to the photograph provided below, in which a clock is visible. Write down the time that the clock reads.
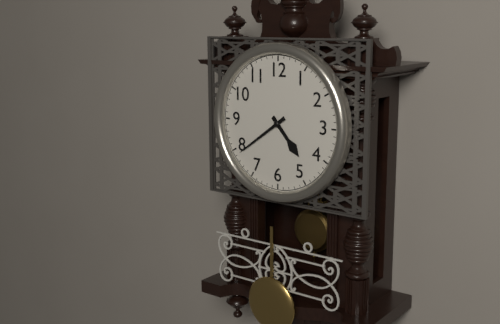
4:39
